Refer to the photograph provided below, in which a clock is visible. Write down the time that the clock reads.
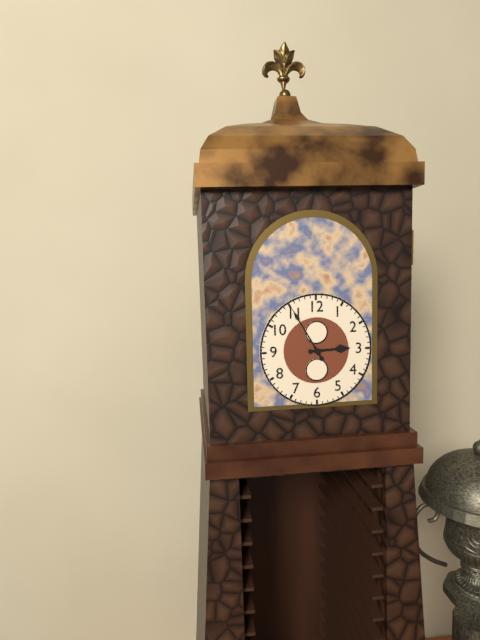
2:55
